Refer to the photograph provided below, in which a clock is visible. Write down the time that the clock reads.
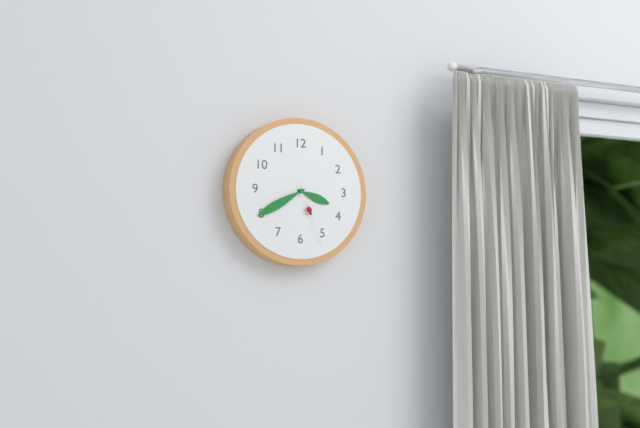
3:40:26
